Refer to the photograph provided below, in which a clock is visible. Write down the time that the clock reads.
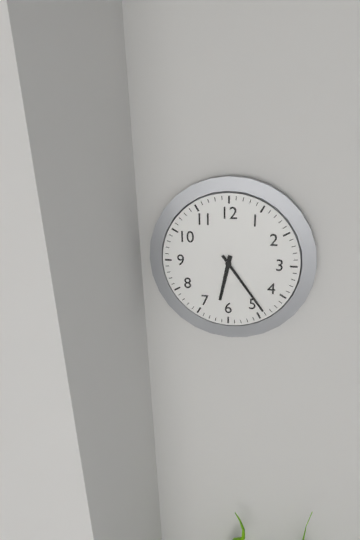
6:24
